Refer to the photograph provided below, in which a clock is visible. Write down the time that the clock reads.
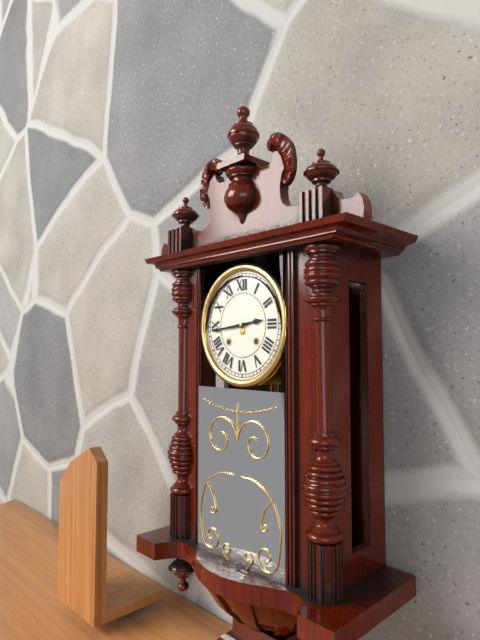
2:44
